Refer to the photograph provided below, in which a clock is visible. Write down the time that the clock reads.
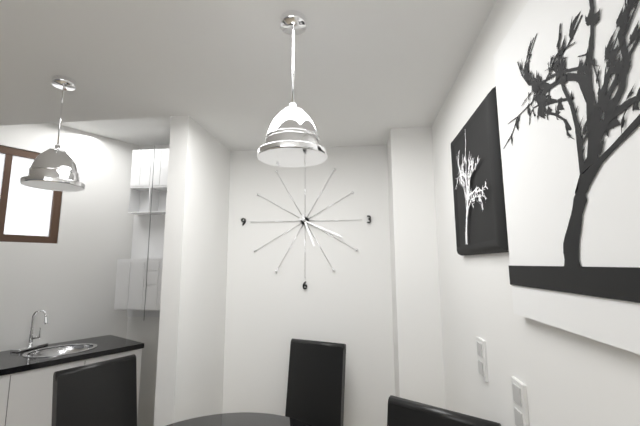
5:19
